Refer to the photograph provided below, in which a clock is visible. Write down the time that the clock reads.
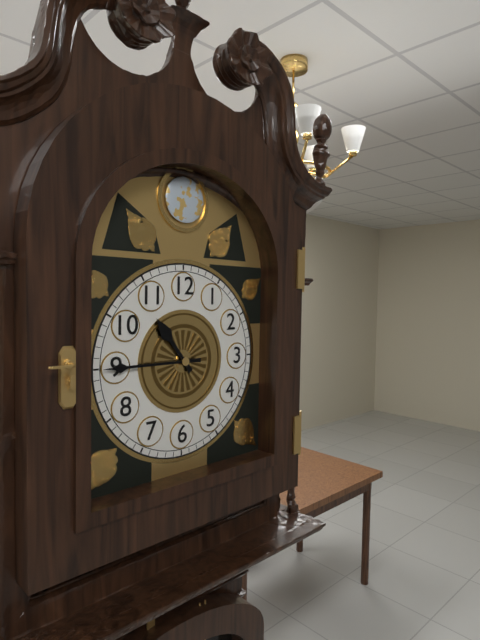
10:45
